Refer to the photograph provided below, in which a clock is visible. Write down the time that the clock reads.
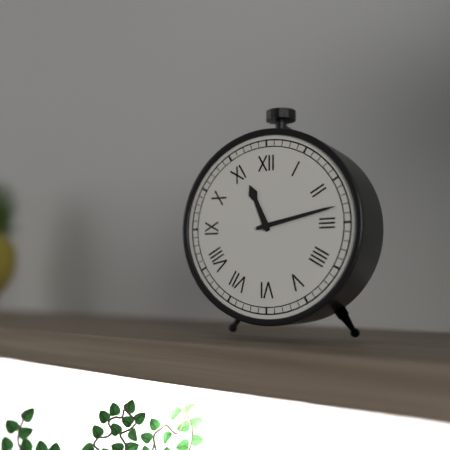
11:13
